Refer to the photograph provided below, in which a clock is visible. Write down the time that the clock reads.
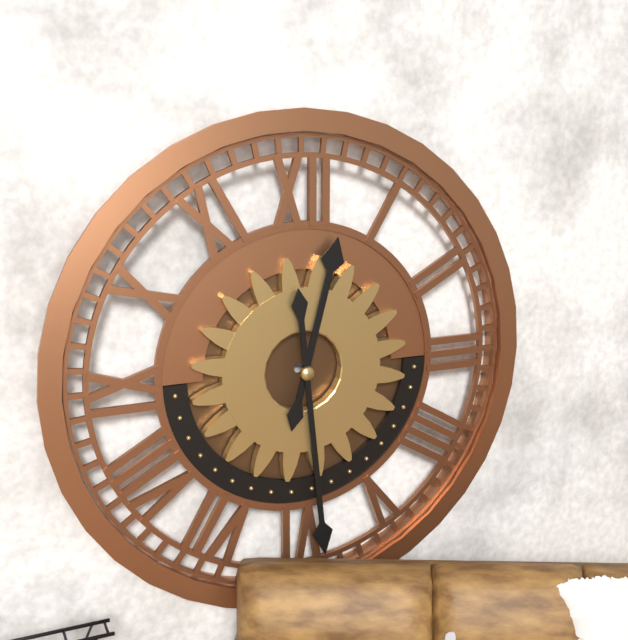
12:29
